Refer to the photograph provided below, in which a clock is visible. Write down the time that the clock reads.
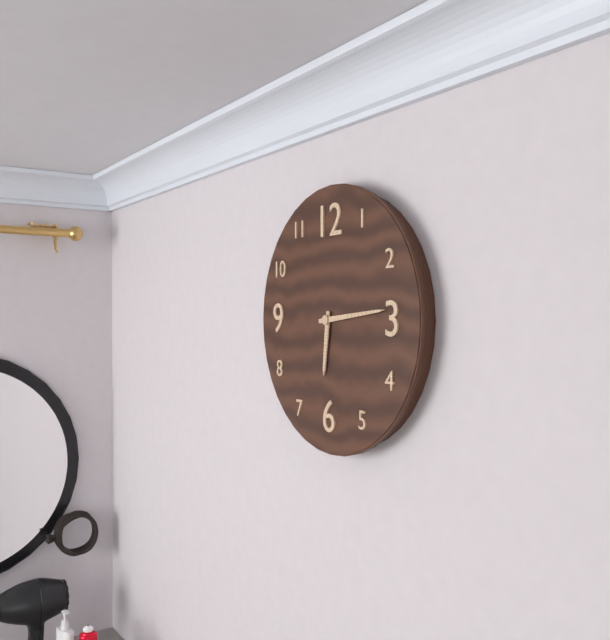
6:14
